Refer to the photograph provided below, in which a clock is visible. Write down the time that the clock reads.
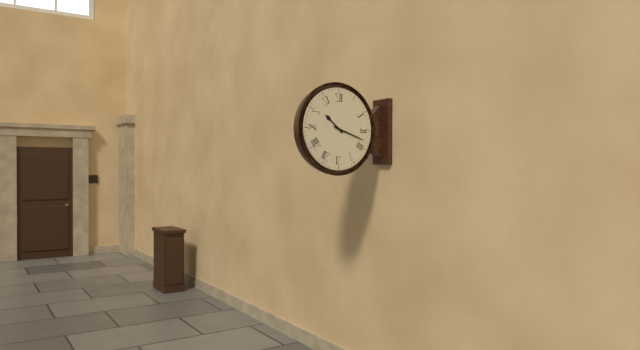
10:18
